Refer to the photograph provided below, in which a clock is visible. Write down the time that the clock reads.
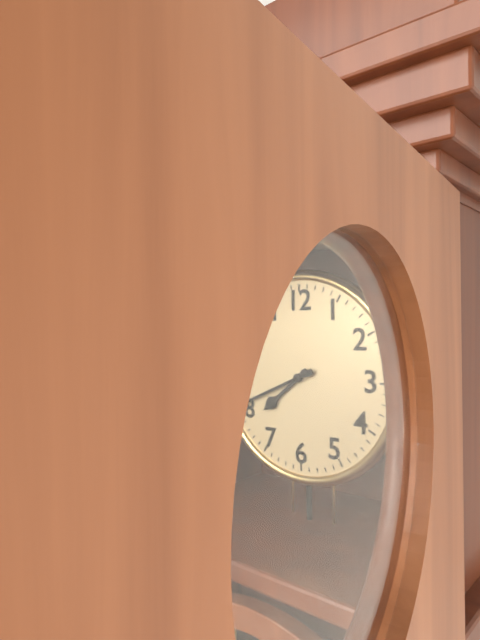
7:41
